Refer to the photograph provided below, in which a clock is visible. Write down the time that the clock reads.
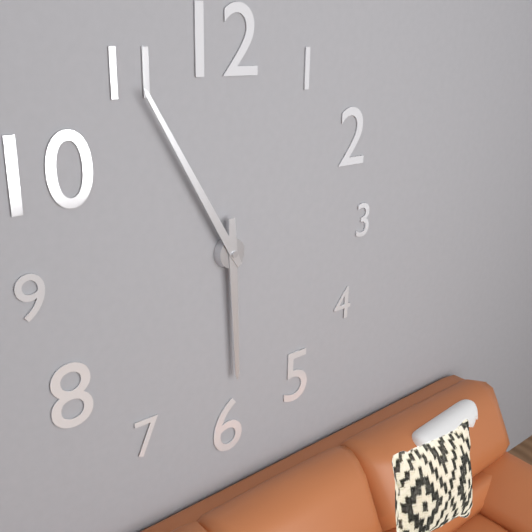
5:55
